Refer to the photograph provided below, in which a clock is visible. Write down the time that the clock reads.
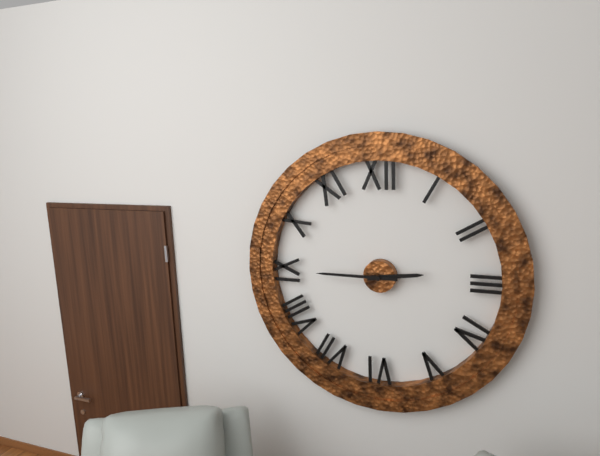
2:45
